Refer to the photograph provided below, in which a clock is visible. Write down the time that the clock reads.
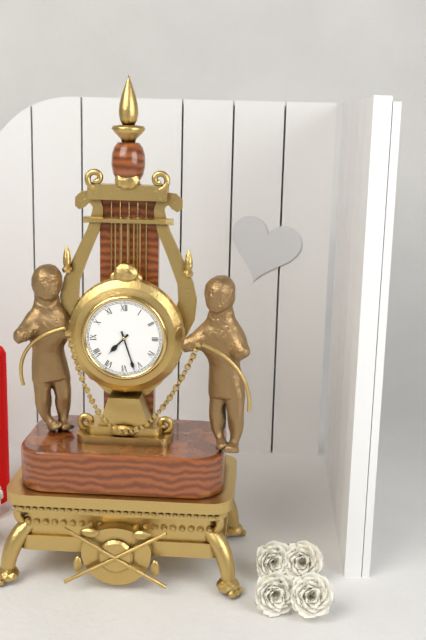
7:27
